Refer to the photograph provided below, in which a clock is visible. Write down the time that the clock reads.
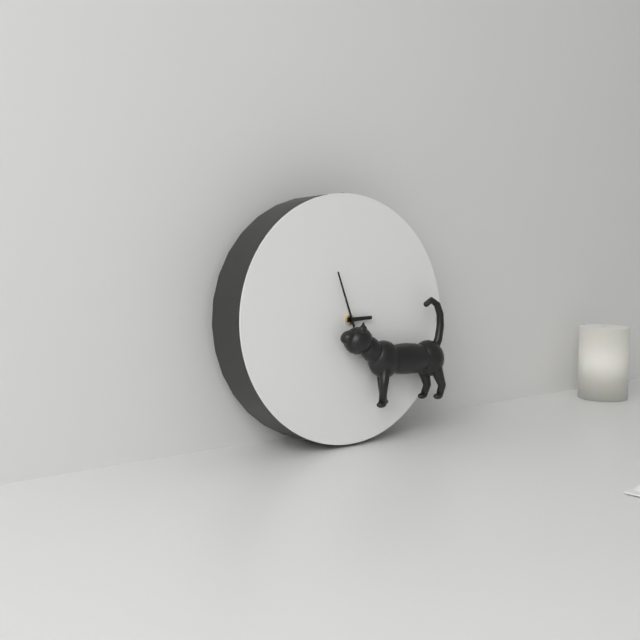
2:57
